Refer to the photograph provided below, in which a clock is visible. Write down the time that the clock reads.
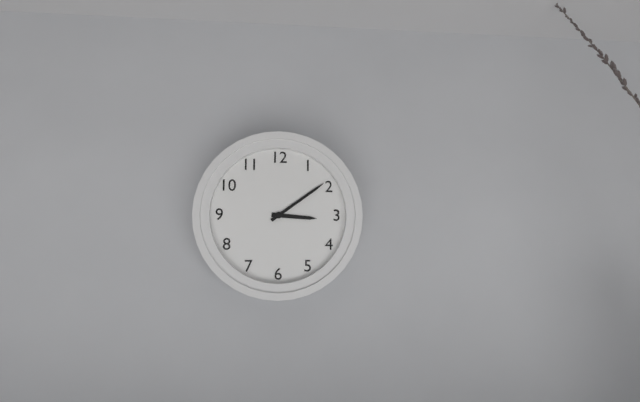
3:09
